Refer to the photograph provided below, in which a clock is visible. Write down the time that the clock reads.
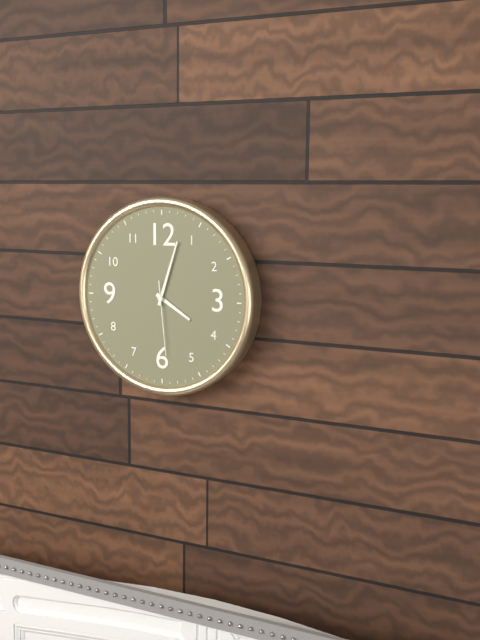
4:03:29
